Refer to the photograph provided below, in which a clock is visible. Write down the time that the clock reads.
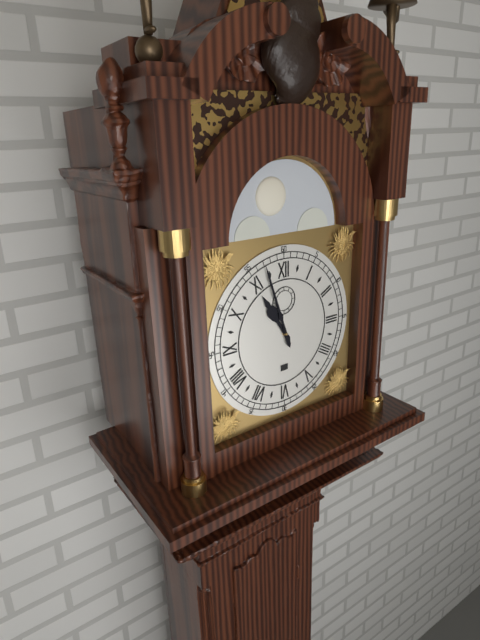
10:57
